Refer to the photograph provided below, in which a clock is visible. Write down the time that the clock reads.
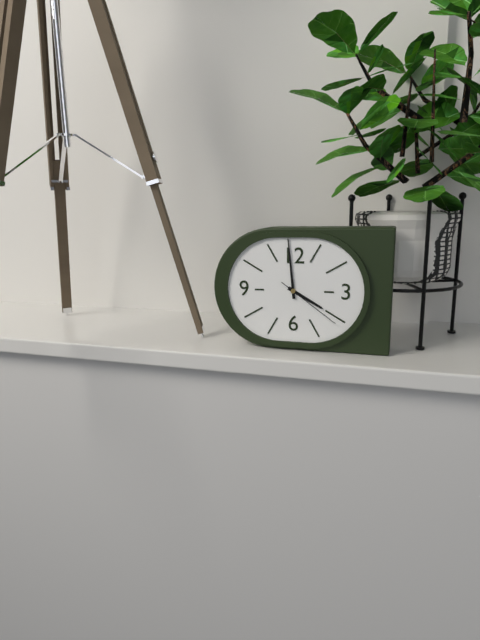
3:59:21
